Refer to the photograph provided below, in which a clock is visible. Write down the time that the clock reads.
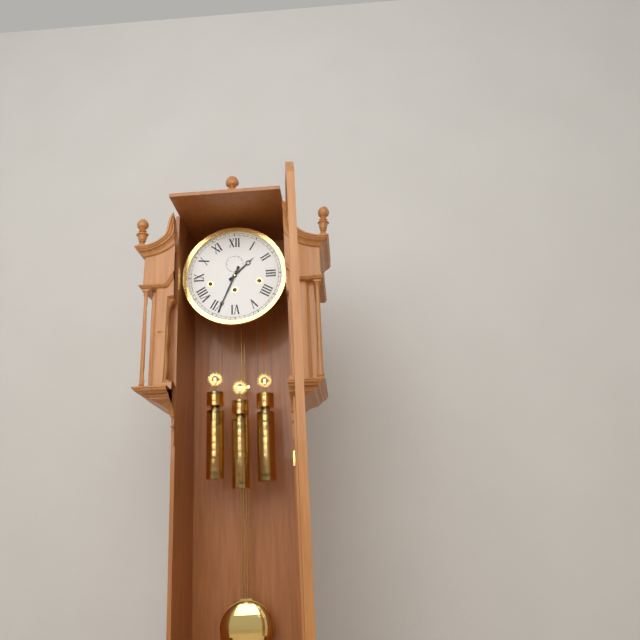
1:34
